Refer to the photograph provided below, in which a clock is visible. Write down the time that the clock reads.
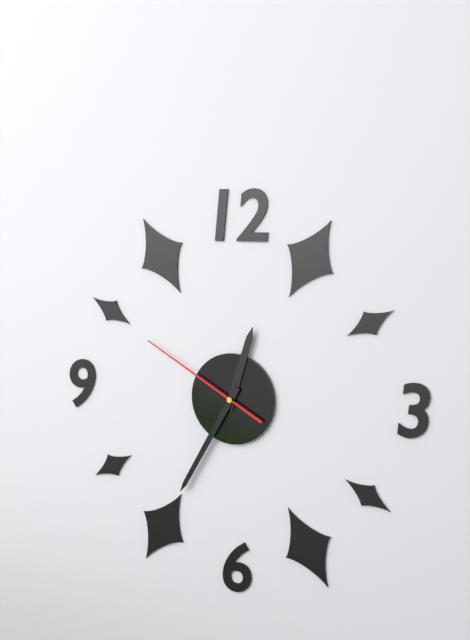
12:35:50
